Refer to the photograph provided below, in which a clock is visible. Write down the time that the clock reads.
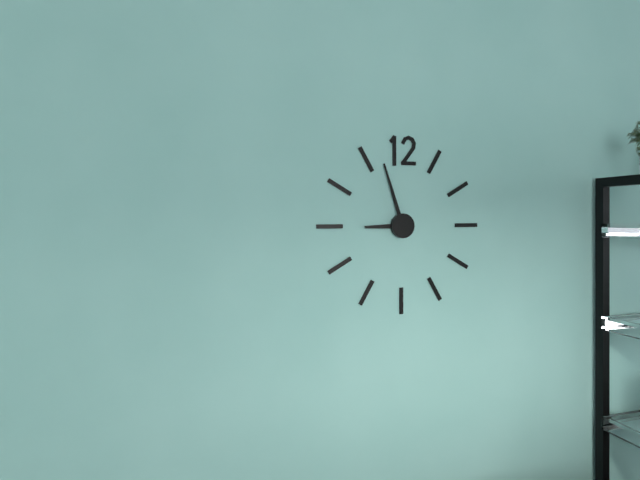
8:57
